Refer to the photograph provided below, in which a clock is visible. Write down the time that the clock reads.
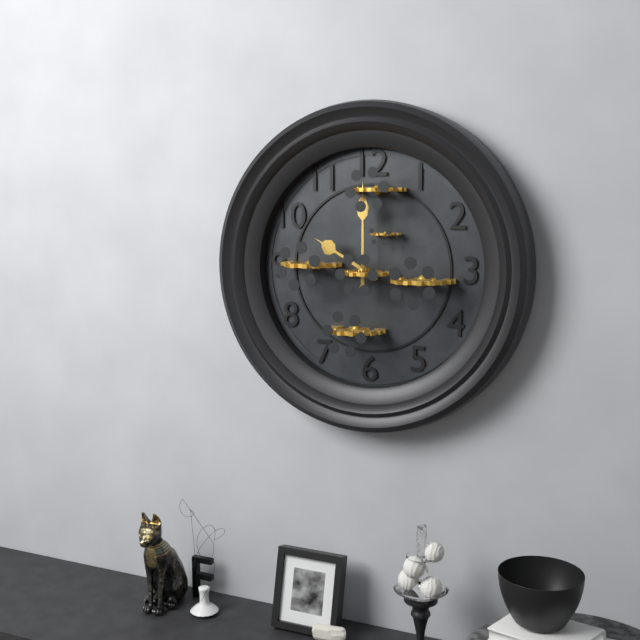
10:00
